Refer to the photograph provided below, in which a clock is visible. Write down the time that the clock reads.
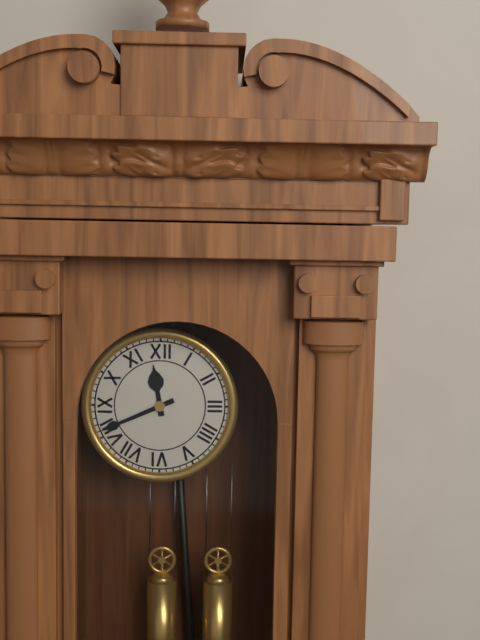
11:41
